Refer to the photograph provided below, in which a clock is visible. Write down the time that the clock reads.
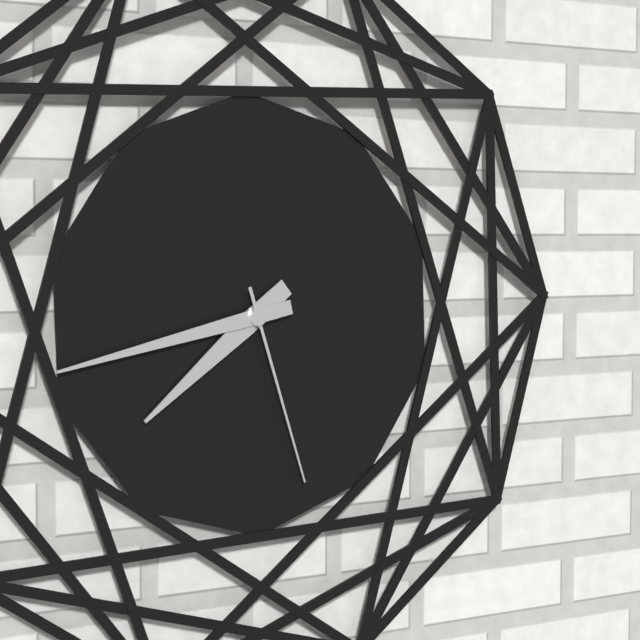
7:43:27
